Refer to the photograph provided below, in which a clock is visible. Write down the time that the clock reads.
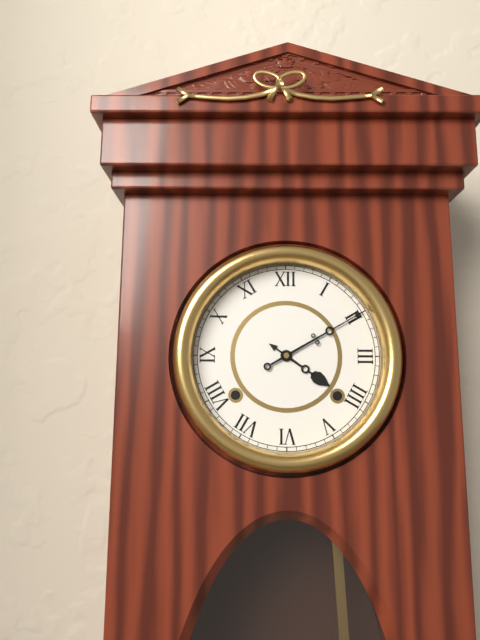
4:10
